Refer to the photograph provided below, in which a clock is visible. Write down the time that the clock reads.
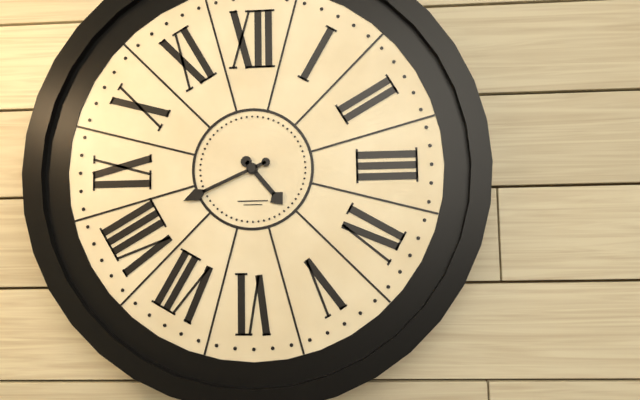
4:41
